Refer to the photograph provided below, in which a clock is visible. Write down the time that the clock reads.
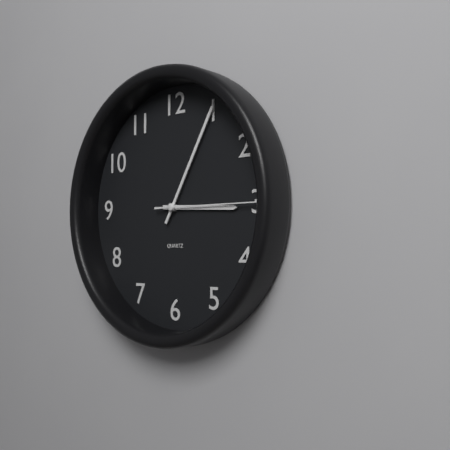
3:05:15
